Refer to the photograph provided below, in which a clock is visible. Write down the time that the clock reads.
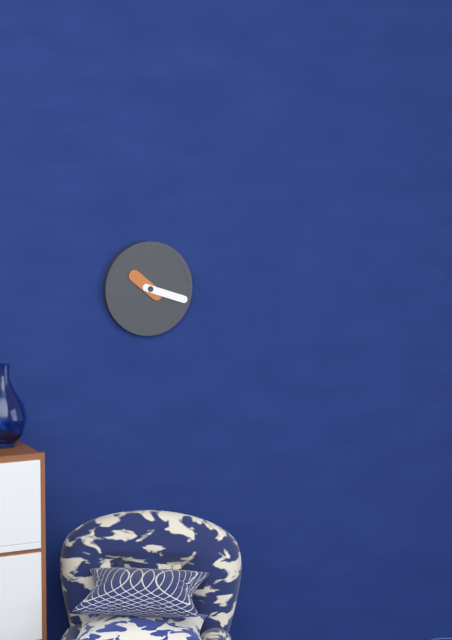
10:18
